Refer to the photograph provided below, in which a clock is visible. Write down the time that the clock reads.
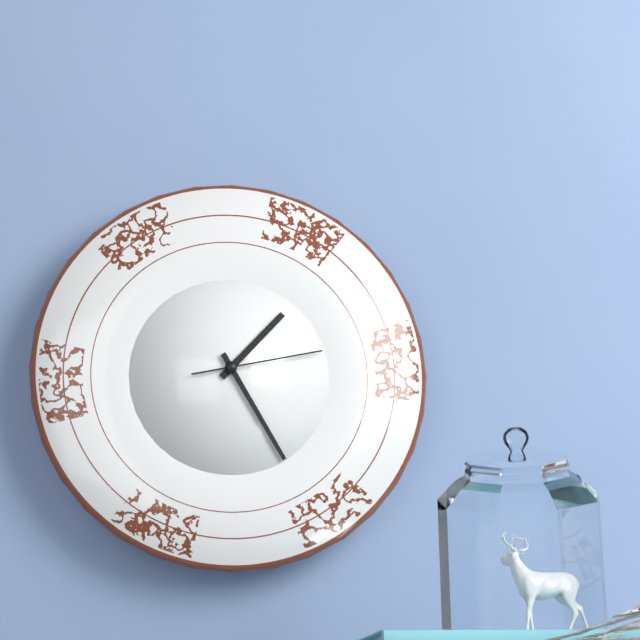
1:25:13
